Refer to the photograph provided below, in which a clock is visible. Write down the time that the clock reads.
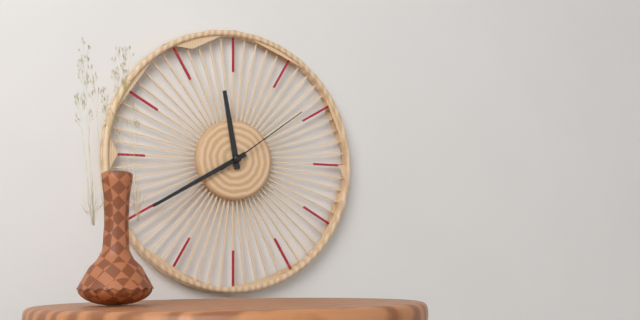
11:40:09
